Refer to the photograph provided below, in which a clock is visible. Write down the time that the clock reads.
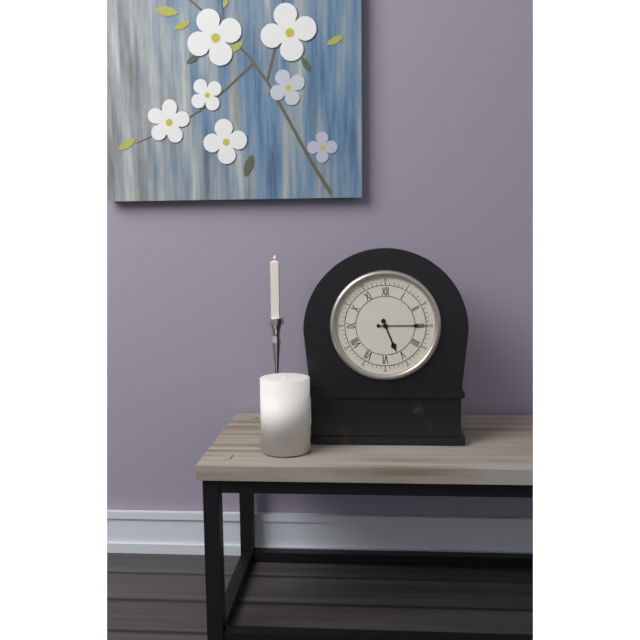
5:15
